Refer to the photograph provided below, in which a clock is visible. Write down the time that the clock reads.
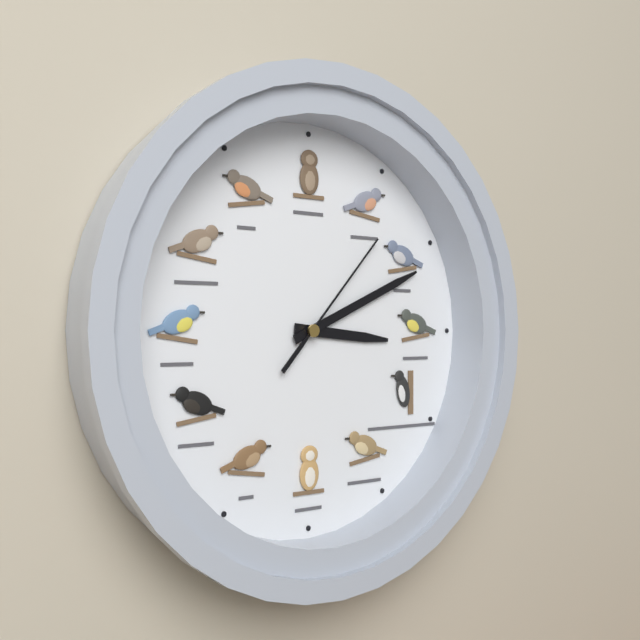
3:11:07
